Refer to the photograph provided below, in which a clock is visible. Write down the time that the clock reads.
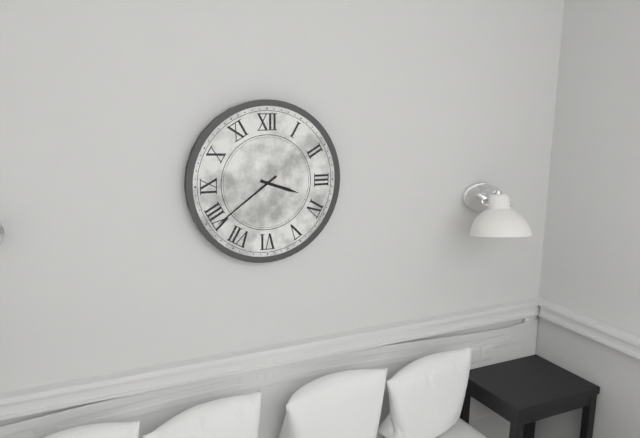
3:39
